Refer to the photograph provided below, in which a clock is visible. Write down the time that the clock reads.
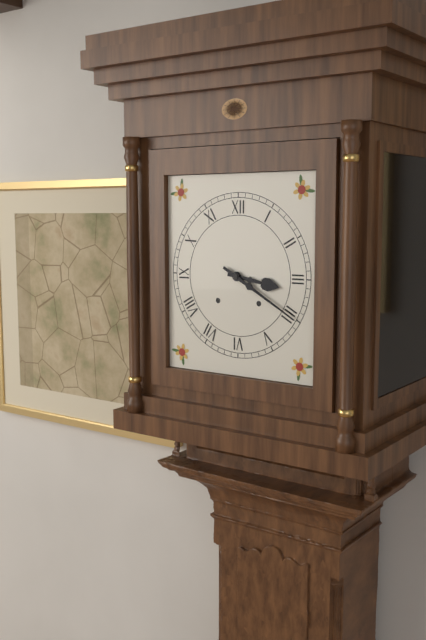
3:20
